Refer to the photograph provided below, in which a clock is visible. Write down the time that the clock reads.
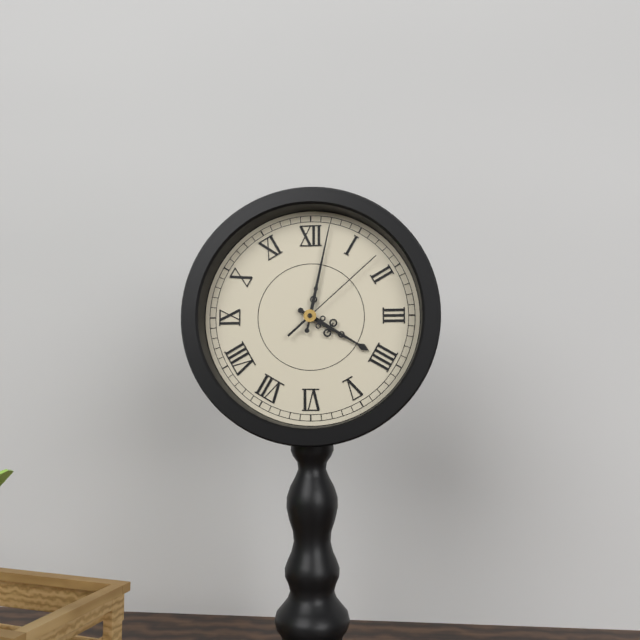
4:02:08
